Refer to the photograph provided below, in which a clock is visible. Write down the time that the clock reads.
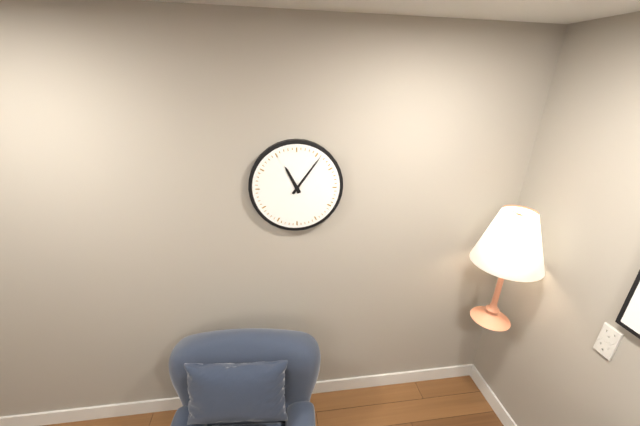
11:06
